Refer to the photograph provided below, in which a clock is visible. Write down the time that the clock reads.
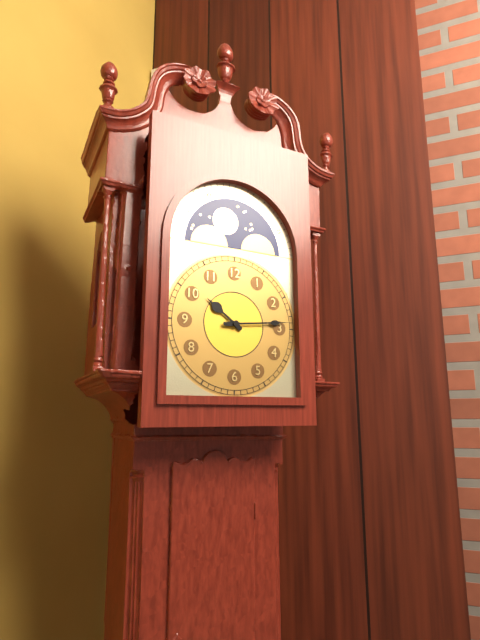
10:14
